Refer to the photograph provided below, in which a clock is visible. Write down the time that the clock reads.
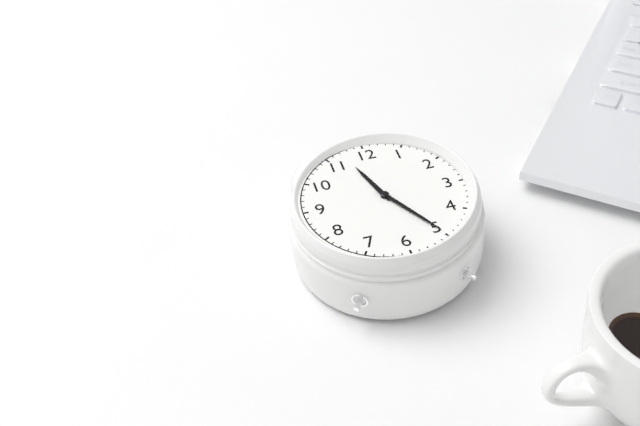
11:25
